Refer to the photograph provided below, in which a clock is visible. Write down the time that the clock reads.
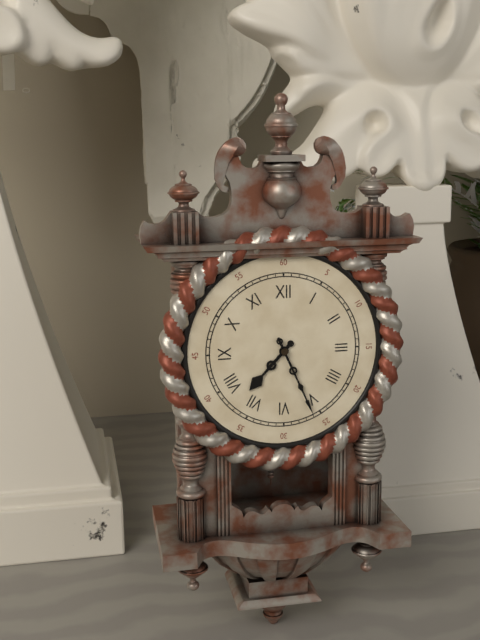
7:26
